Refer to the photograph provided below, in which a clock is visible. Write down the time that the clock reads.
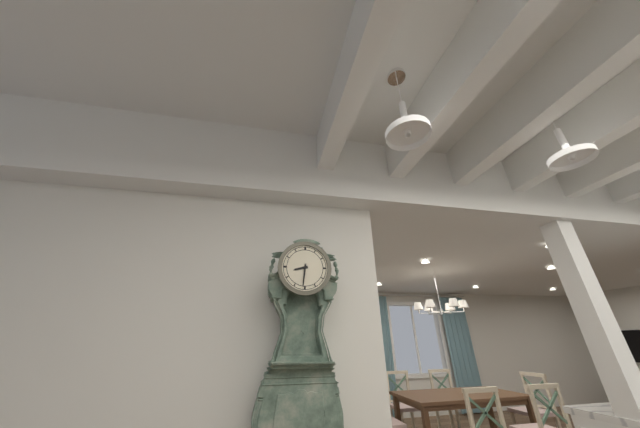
8:31
